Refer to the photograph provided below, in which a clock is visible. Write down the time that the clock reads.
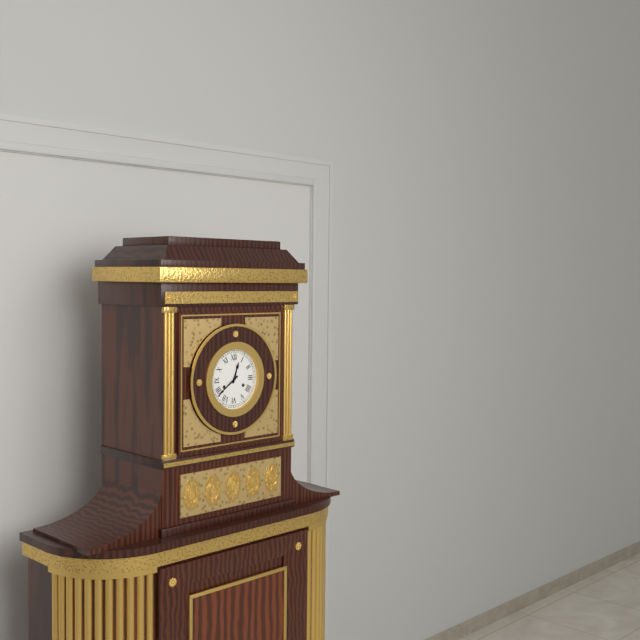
12:39
